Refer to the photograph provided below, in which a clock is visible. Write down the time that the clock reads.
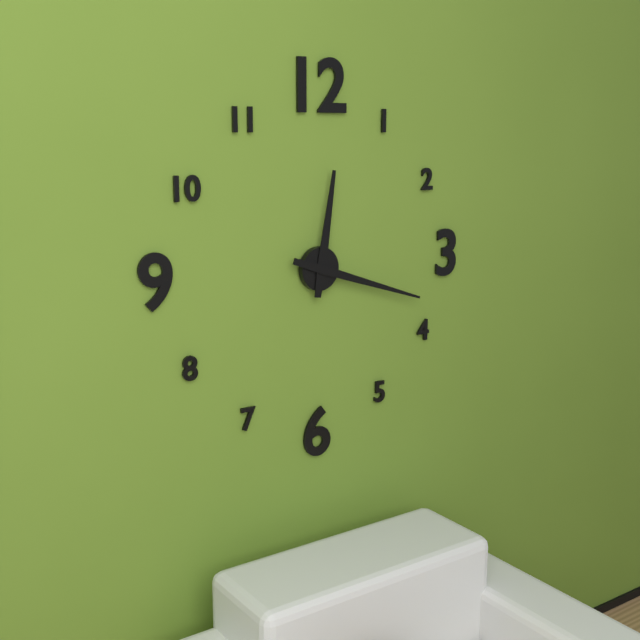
12:18
